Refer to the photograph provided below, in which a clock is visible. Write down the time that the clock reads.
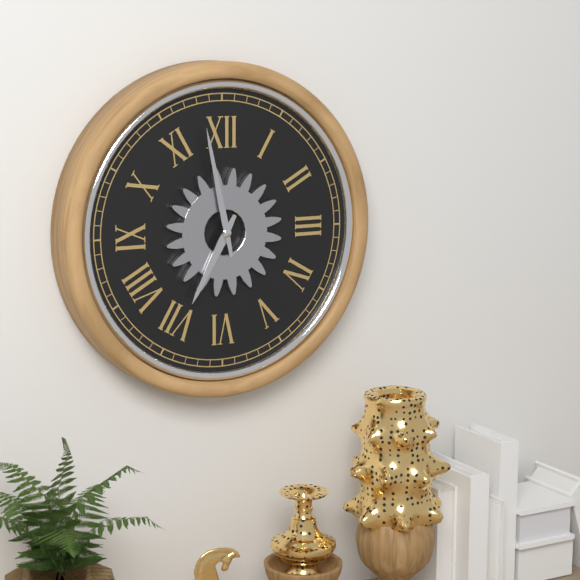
6:58
